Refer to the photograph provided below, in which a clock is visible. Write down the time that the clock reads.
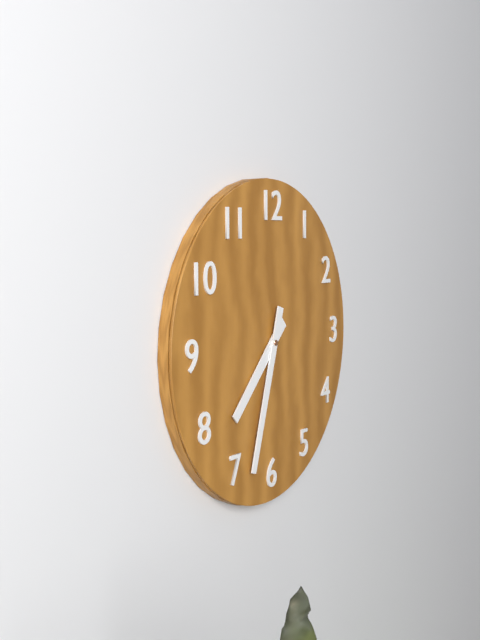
7:33
